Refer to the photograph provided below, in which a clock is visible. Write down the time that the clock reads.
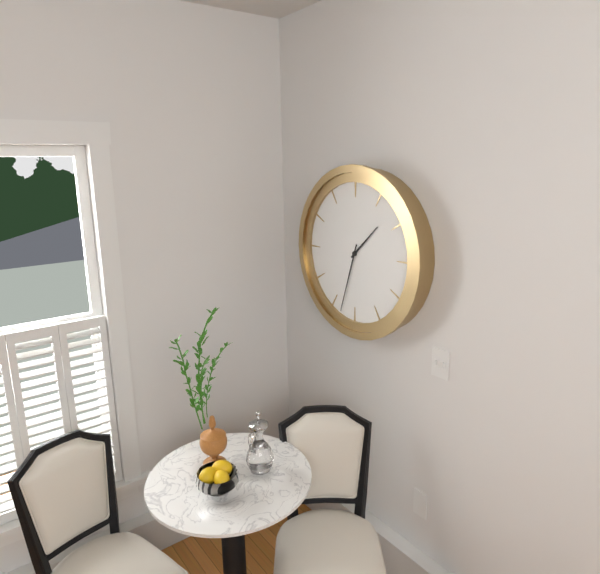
1:33
